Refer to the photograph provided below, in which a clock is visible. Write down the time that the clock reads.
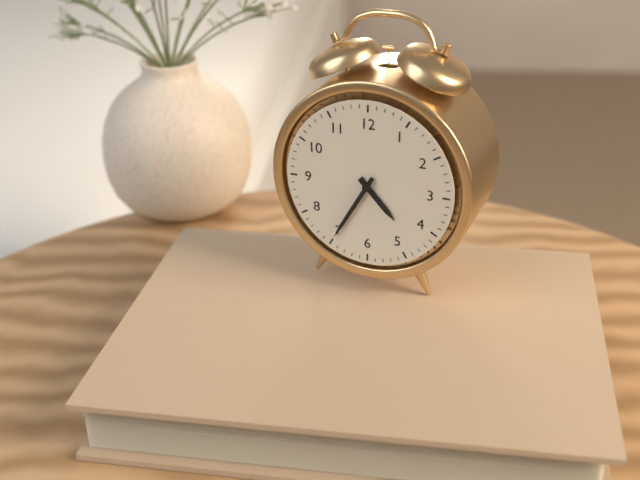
4:35
